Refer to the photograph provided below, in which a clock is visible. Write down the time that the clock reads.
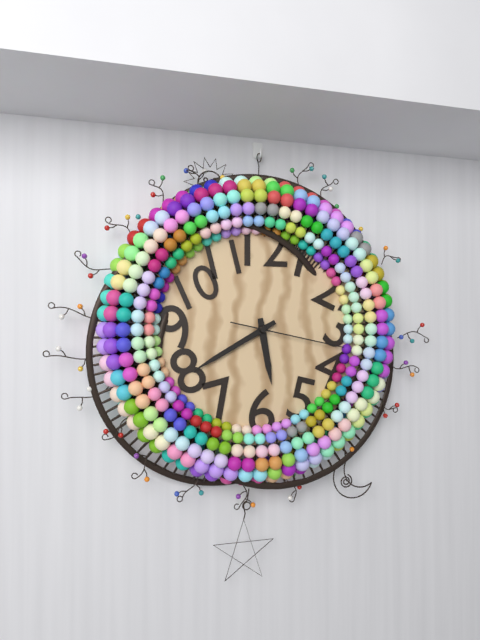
5:40:17
